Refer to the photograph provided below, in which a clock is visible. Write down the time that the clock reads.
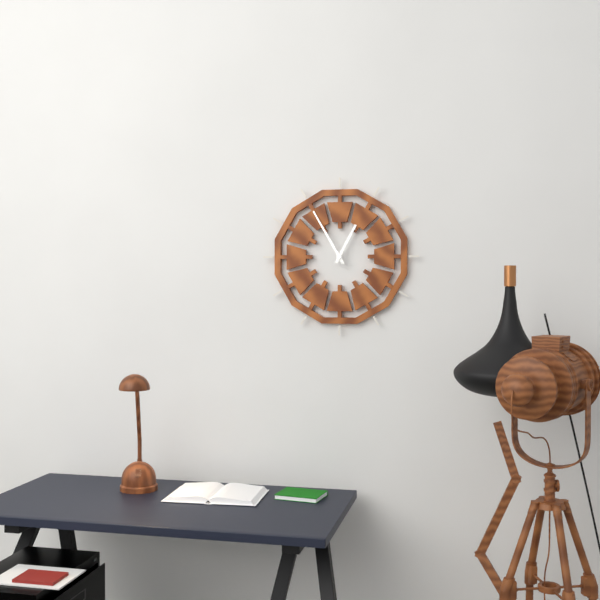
12:55
